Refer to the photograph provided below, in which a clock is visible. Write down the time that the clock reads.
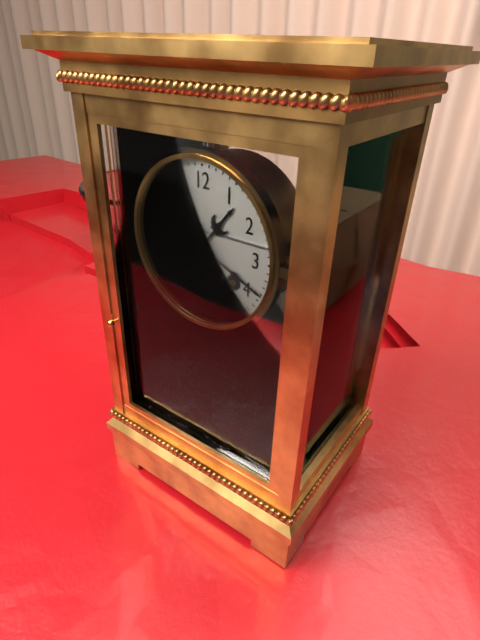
1:19
